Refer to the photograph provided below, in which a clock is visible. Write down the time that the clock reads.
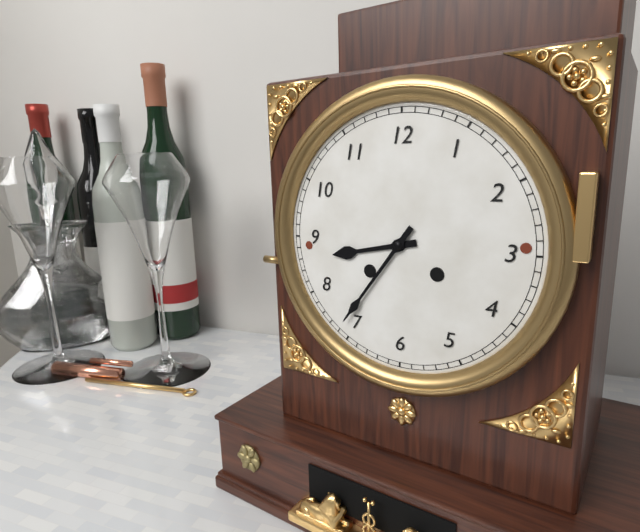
8:36
